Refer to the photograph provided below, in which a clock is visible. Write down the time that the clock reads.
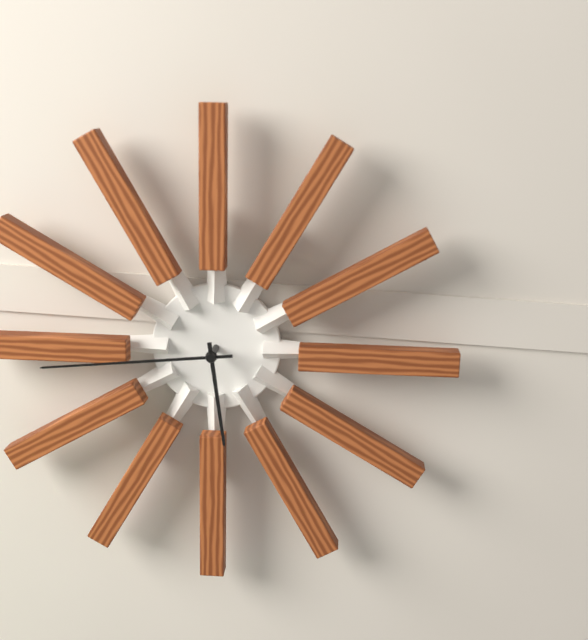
5:44
